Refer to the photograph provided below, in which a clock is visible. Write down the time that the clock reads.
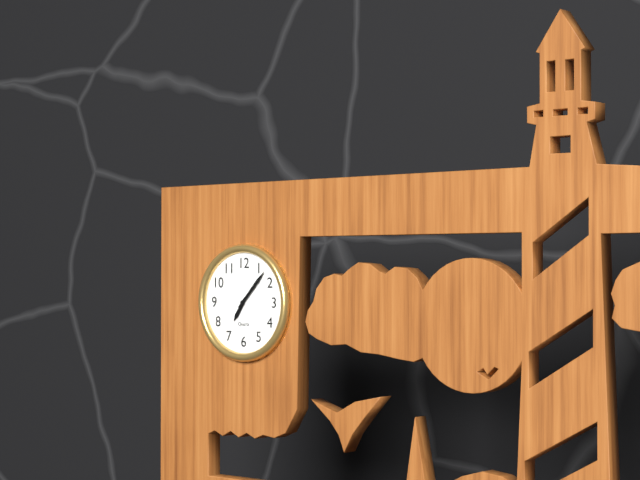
7:07
